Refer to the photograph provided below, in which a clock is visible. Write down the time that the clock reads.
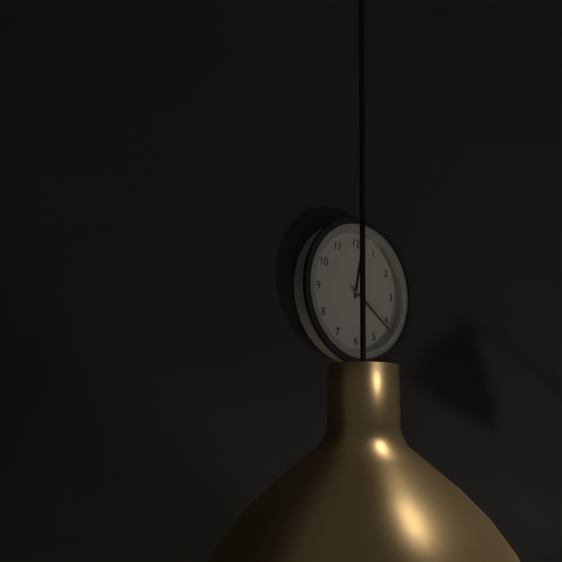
12:21:20
